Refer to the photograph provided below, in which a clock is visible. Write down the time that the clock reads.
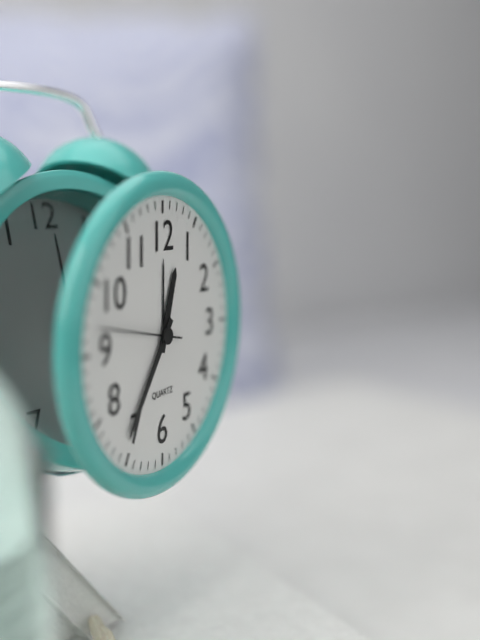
12:36:47
